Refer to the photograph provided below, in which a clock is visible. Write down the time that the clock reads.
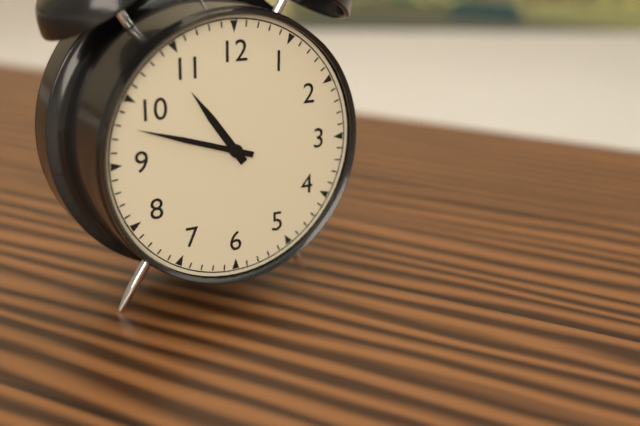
10:48
